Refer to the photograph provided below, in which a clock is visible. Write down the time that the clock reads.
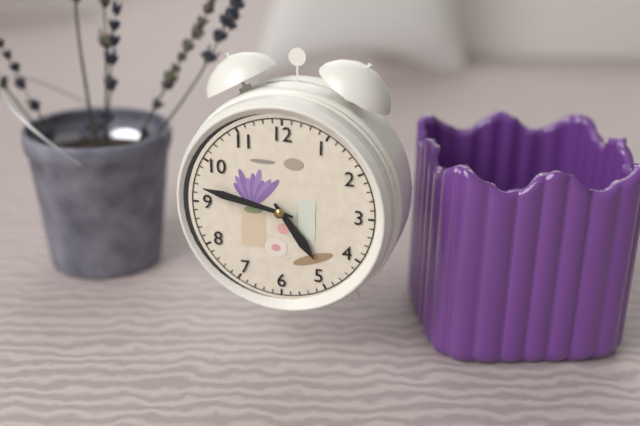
4:47
